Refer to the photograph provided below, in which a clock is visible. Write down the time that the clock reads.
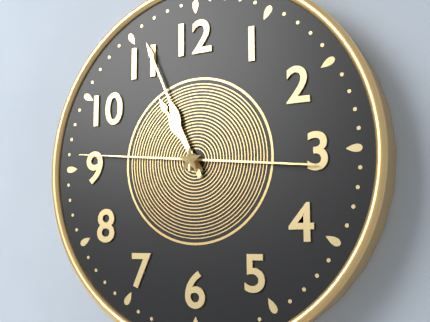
10:56:46
